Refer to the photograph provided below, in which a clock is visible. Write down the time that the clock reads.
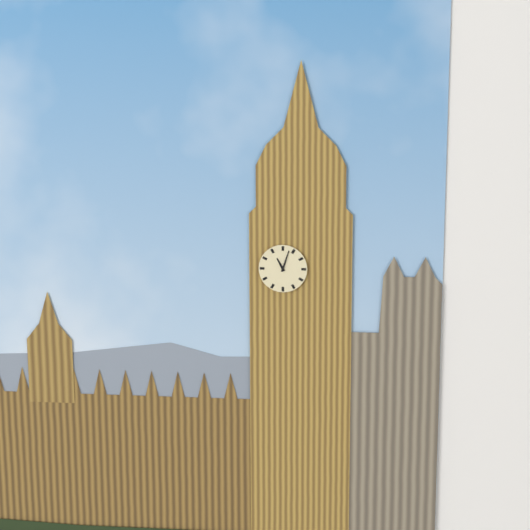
11:03
